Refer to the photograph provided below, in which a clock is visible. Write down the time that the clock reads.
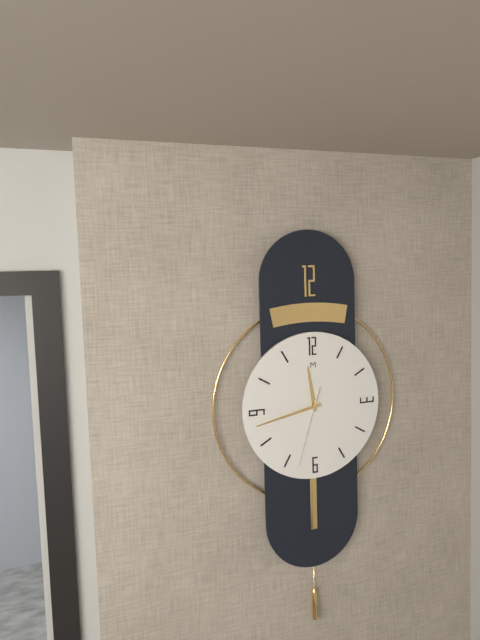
11:43:33
